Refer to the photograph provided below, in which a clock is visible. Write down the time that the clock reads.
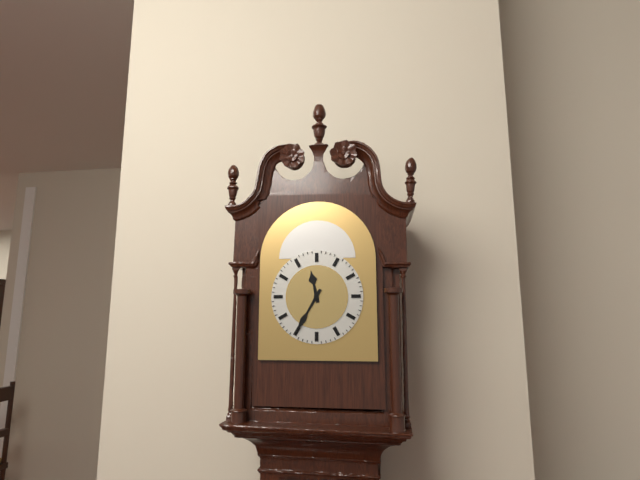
11:35
